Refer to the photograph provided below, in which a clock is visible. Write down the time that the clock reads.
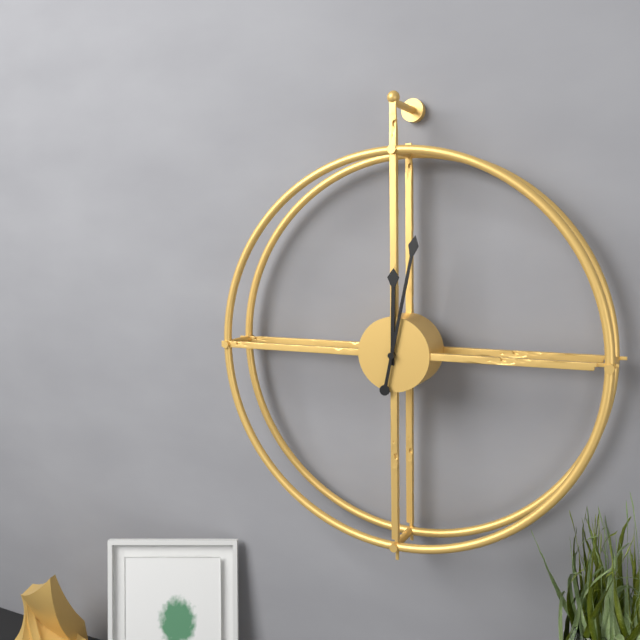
12:02
